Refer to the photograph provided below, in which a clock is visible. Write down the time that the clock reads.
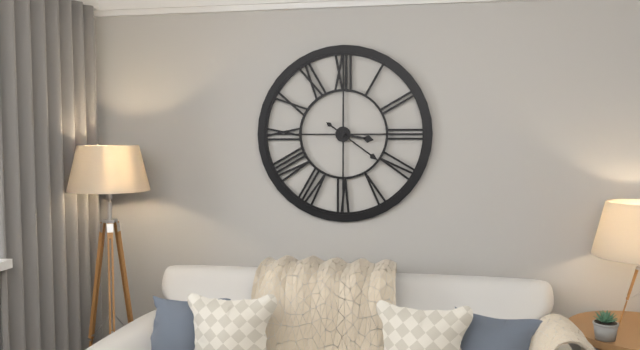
3:21
